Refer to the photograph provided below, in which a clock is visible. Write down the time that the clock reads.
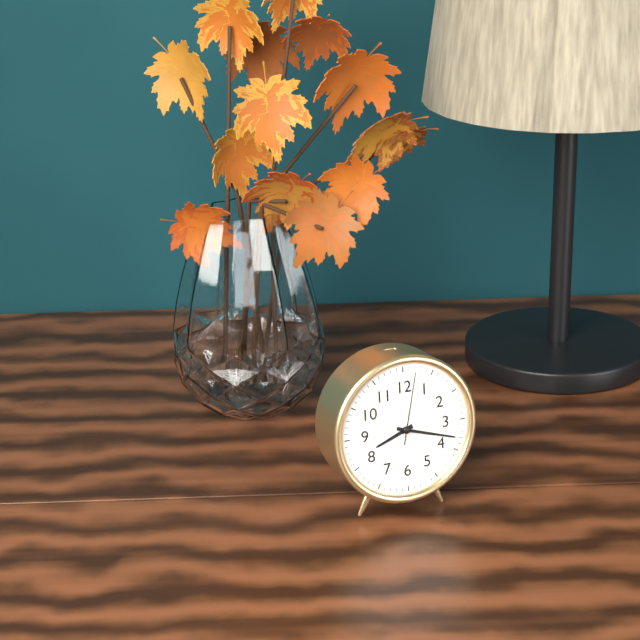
8:18:02
